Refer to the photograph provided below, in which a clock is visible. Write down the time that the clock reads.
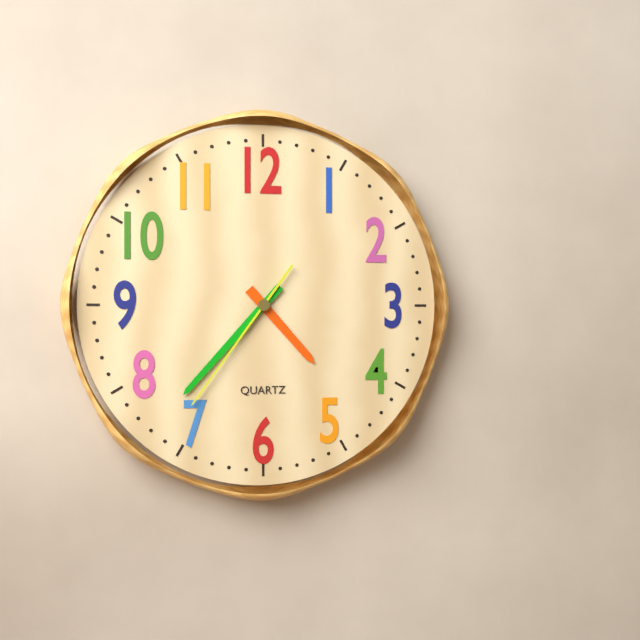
4:37:36
